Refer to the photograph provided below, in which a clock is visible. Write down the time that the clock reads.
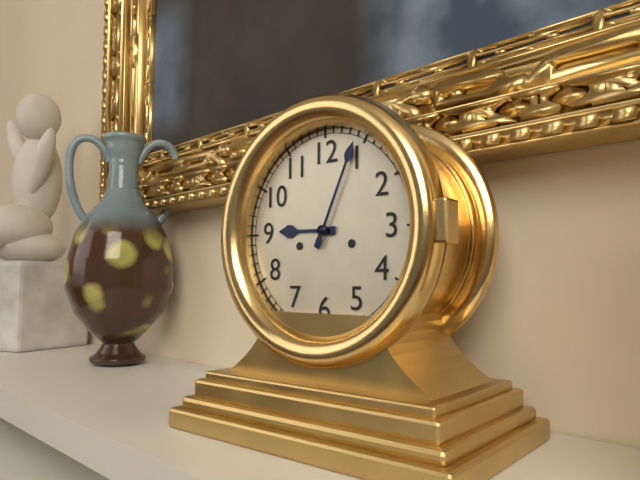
9:04
